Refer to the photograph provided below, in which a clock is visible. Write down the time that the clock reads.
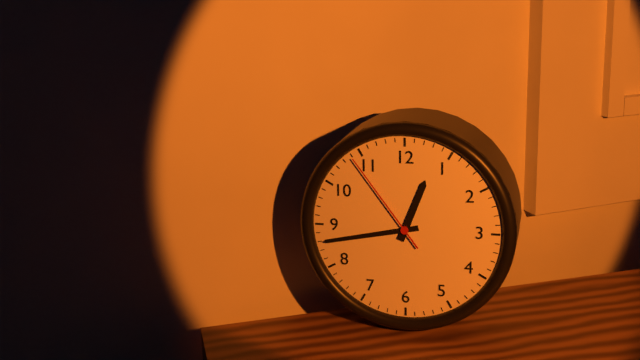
12:43:54
